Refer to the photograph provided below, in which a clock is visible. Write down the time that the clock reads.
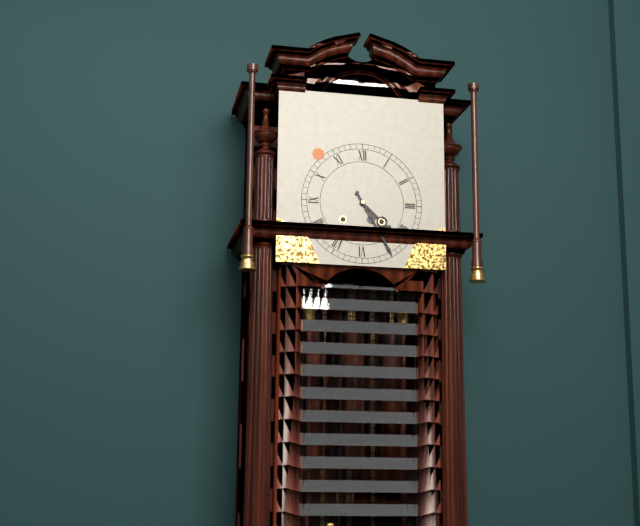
4:25
